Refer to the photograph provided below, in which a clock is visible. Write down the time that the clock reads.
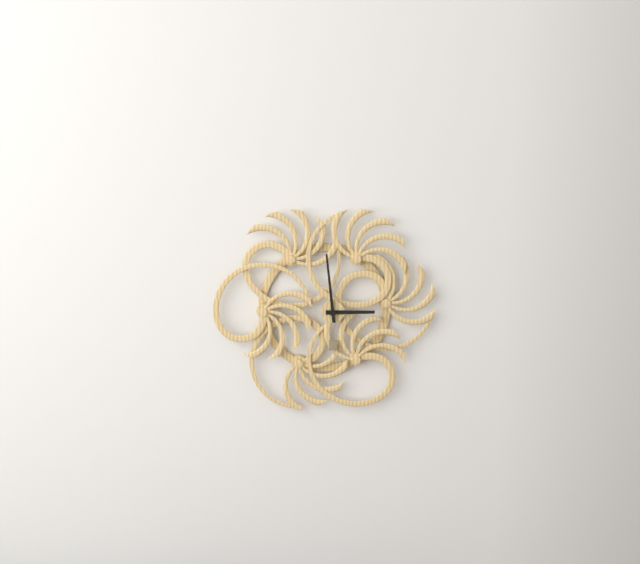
2:59
